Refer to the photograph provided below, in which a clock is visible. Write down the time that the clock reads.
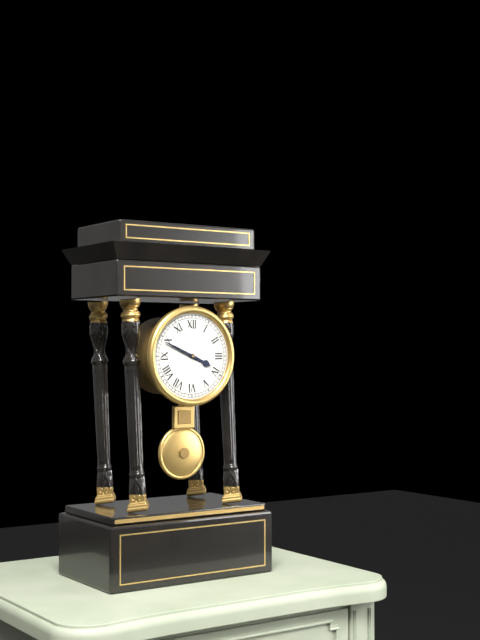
3:49
